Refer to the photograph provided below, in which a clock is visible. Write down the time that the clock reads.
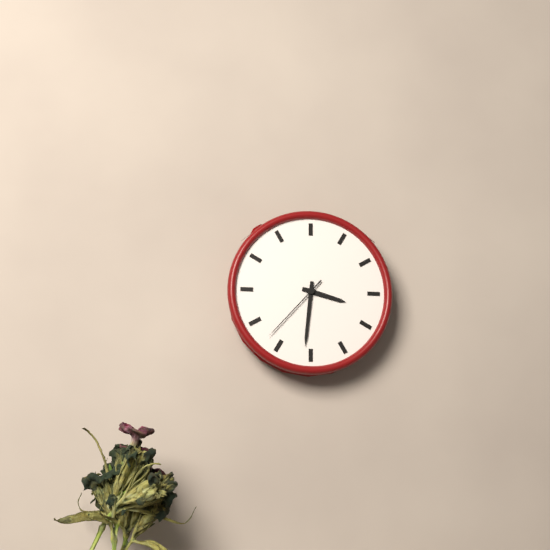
3:31:37
